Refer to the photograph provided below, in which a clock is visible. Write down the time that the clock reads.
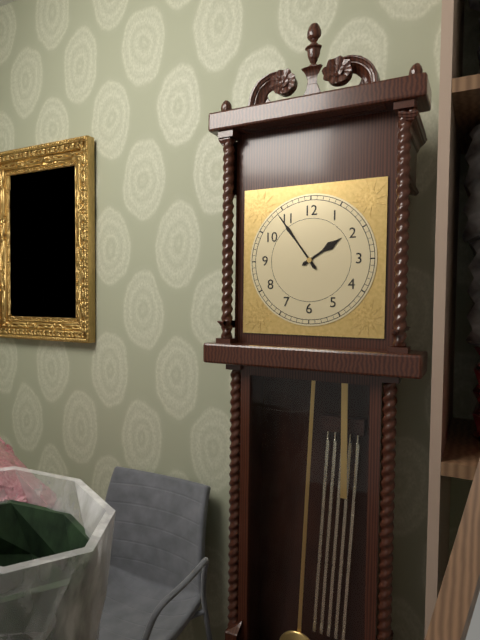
1:54
